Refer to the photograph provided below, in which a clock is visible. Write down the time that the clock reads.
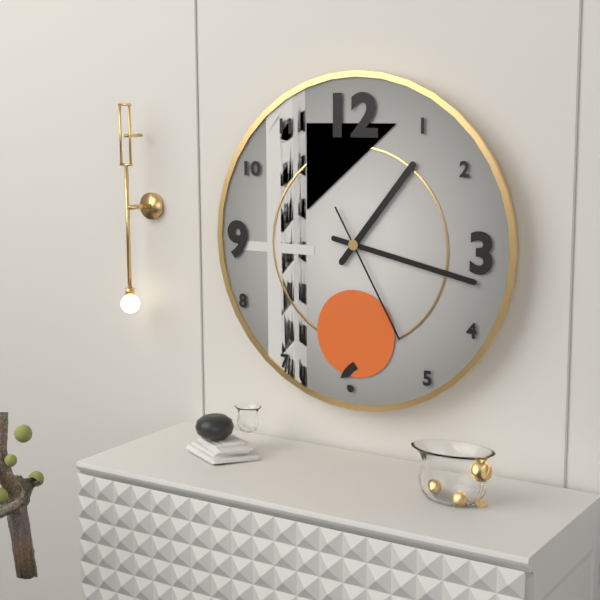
1:17:25
